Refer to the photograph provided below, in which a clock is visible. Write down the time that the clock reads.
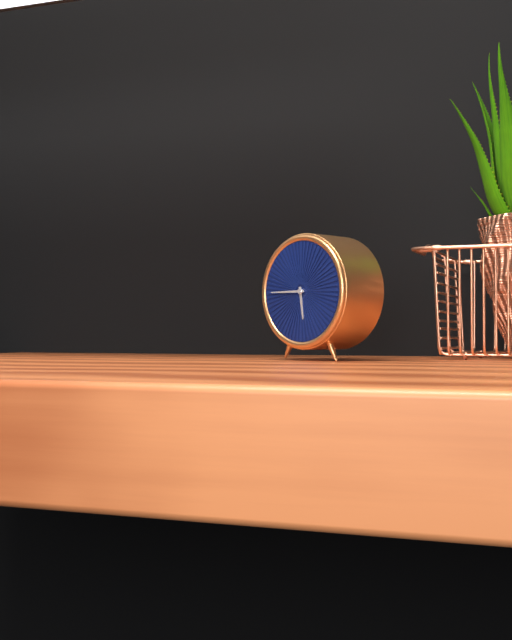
5:45
